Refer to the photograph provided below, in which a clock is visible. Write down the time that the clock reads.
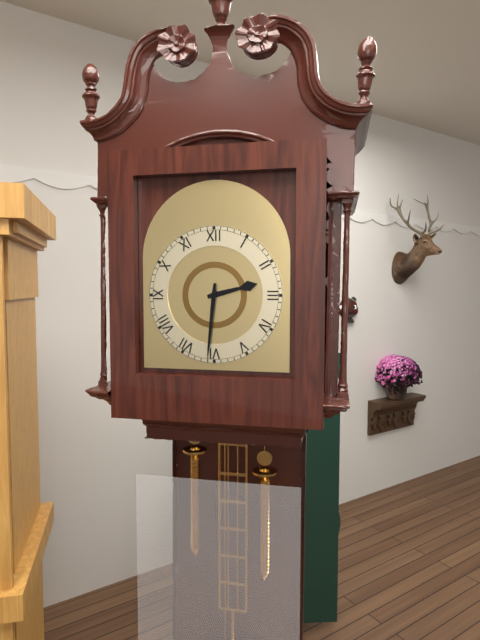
2:31
